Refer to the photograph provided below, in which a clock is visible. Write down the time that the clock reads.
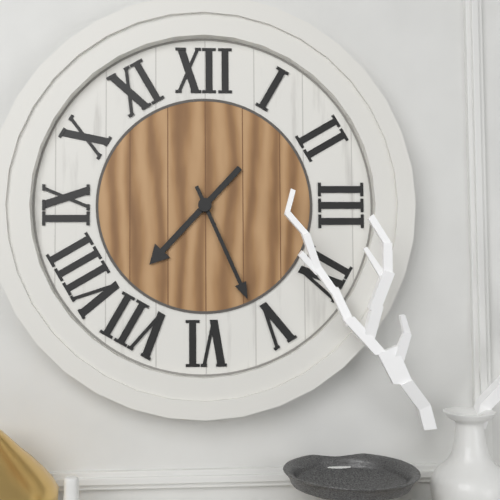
7:26
